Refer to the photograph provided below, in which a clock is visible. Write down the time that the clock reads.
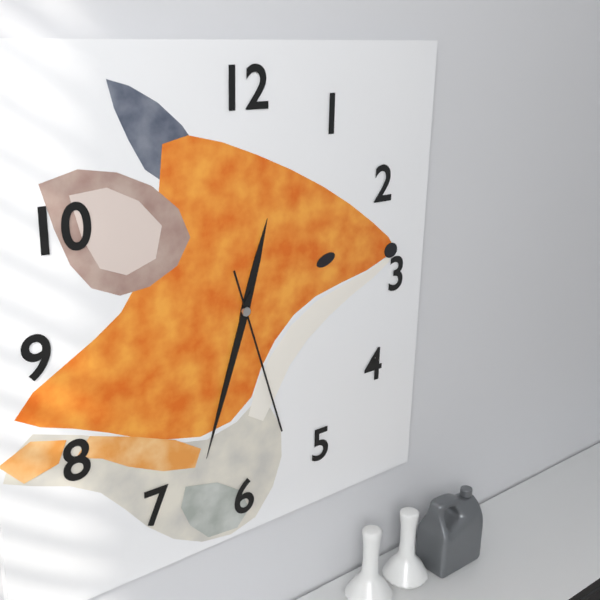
12:33:27
